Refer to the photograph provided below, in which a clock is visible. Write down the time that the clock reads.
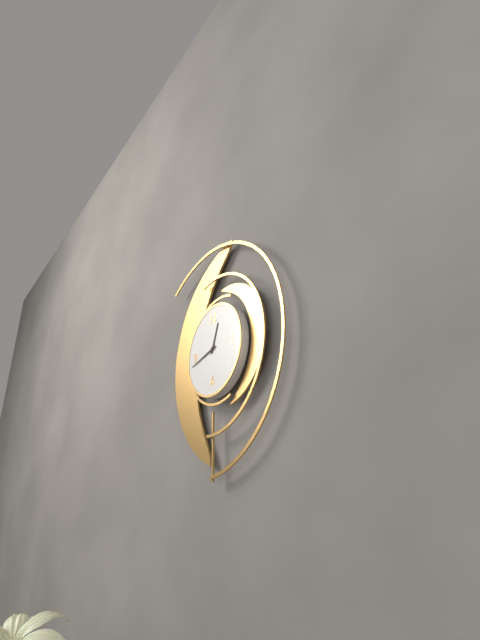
12:43
